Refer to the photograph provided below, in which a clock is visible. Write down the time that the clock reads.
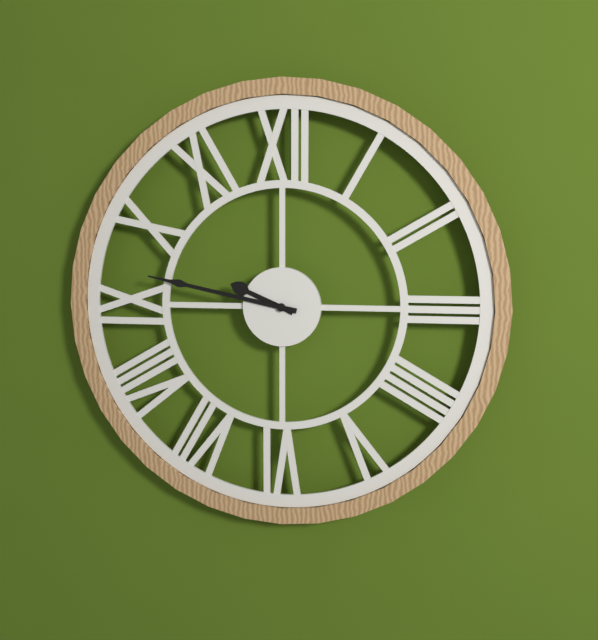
9:47
